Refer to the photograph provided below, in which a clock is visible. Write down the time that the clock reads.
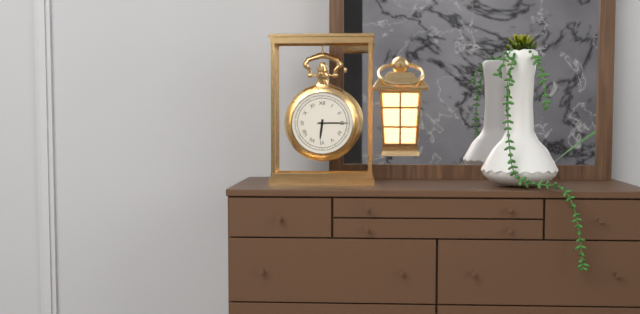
6:15
